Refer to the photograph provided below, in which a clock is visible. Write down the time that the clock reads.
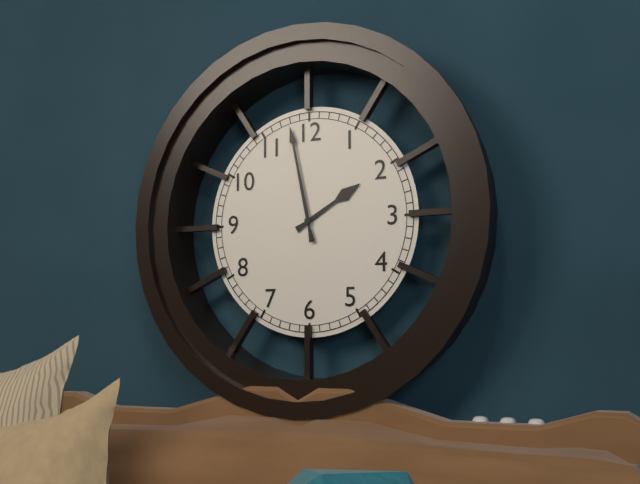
1:58
